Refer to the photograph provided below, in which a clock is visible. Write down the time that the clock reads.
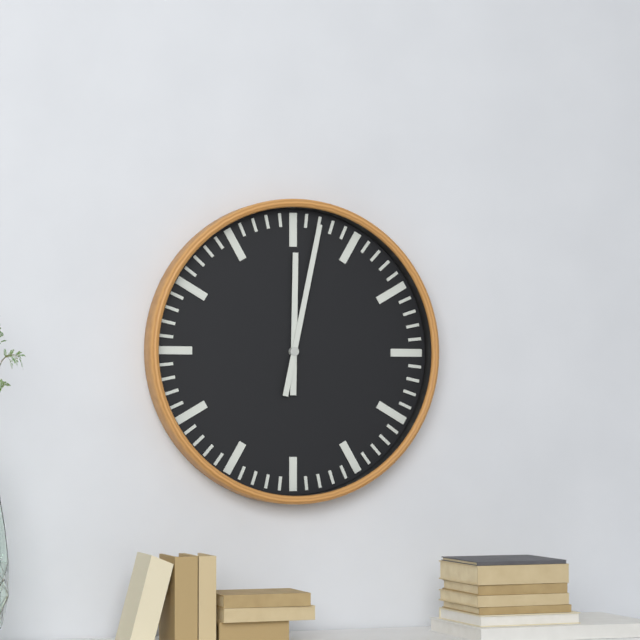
12:02
